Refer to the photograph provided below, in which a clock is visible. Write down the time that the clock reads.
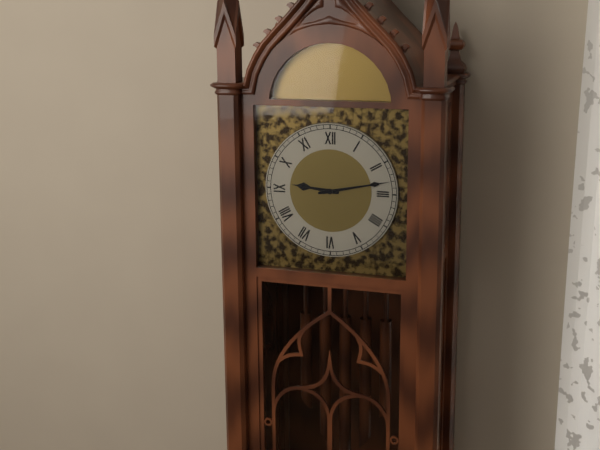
9:13
